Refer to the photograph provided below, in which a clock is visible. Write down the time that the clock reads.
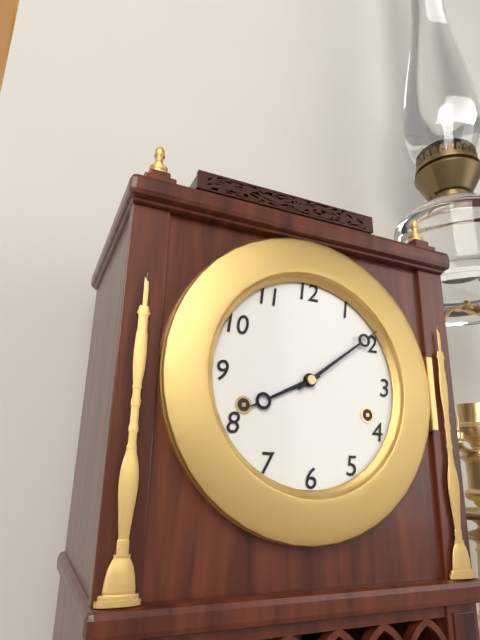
8:09
